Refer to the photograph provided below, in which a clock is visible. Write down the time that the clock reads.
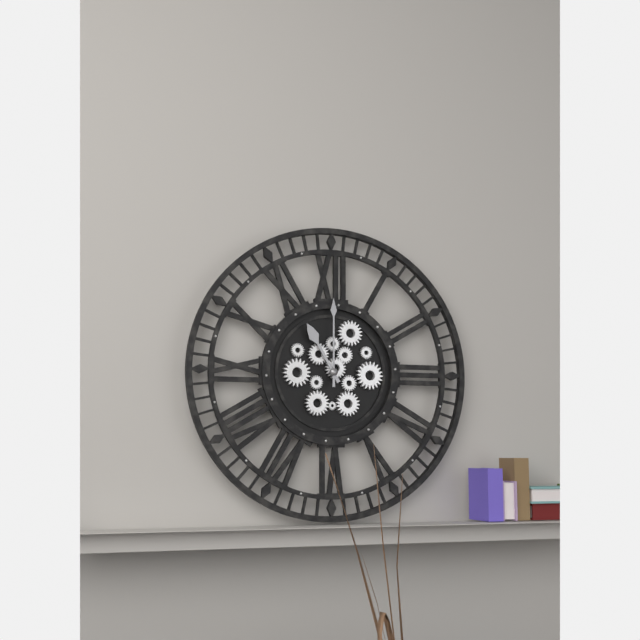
11:00
